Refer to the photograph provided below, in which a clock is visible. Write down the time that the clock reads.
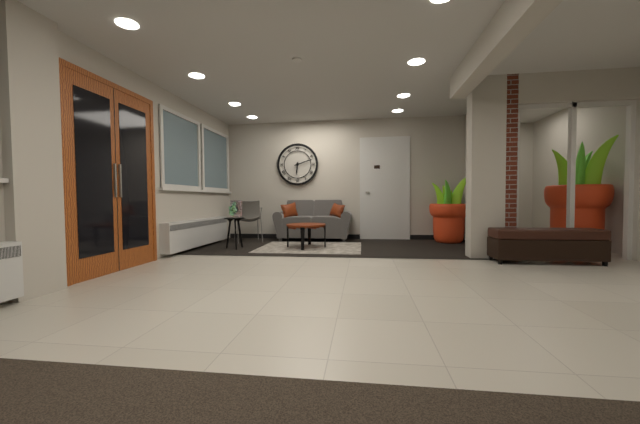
6:12
